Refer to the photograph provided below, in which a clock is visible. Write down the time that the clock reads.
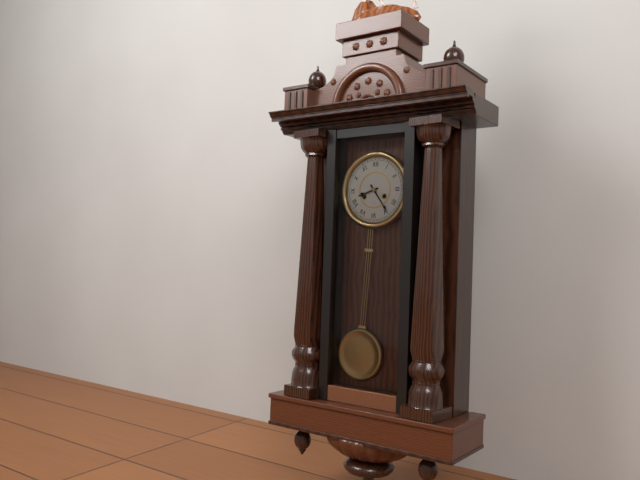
8:24
